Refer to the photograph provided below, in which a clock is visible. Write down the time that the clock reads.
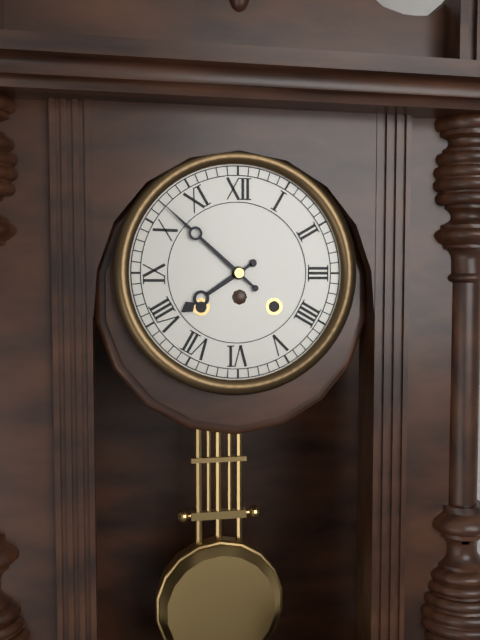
7:52
